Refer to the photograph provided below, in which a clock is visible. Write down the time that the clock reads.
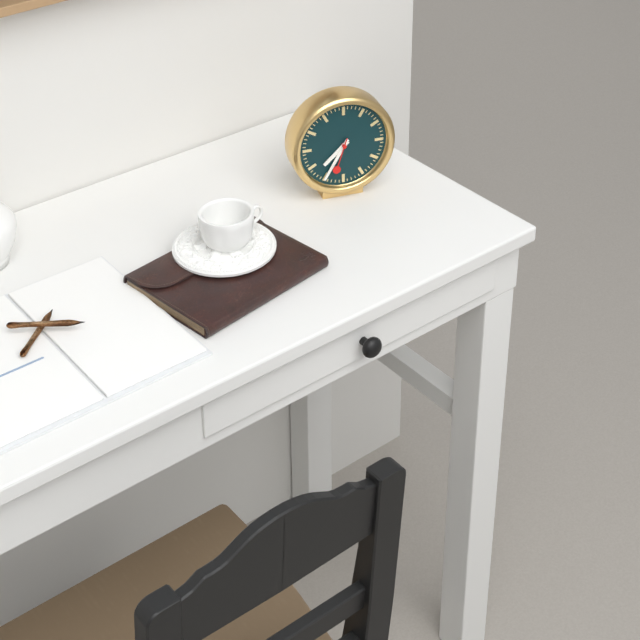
7:35
